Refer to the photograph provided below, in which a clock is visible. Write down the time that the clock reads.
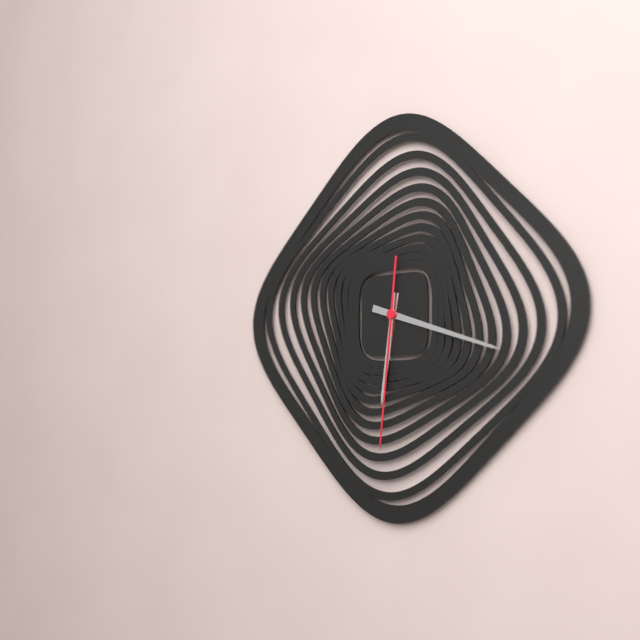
6:18:31
